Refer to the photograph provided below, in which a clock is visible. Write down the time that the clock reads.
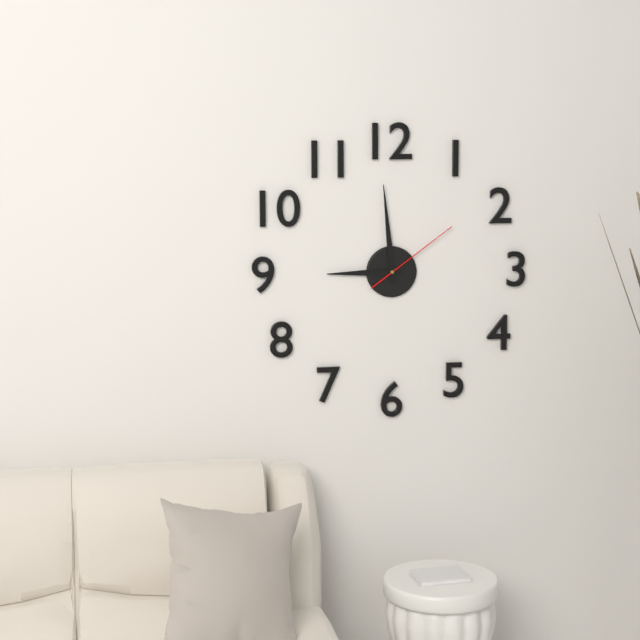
8:59:09
